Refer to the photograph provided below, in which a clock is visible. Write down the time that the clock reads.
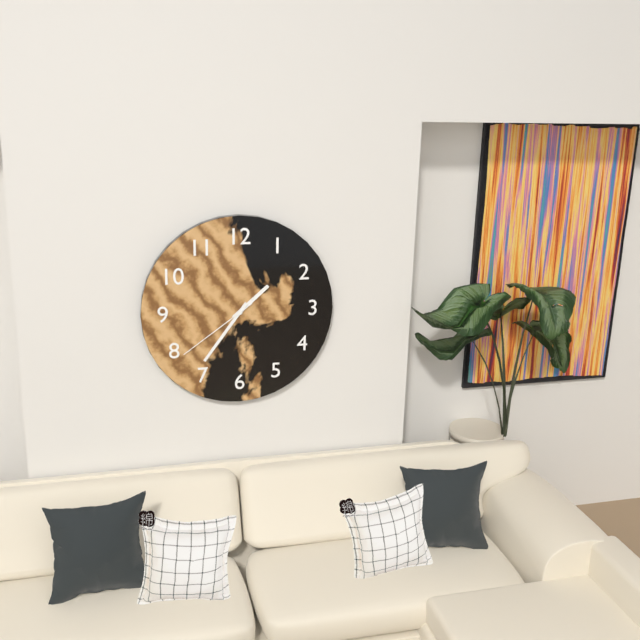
1:36:39
